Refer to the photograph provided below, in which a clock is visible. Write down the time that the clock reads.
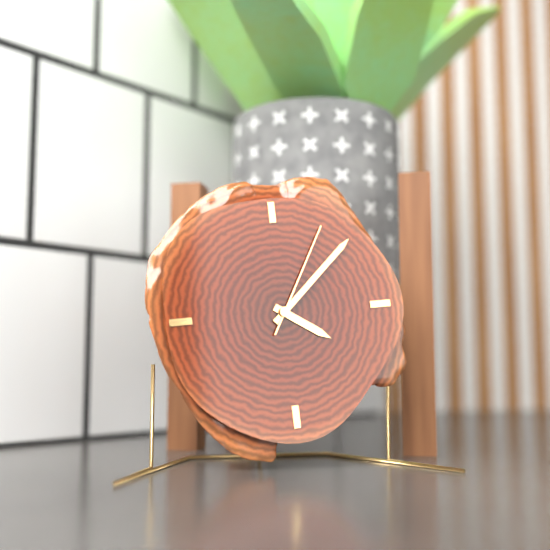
4:08:05
